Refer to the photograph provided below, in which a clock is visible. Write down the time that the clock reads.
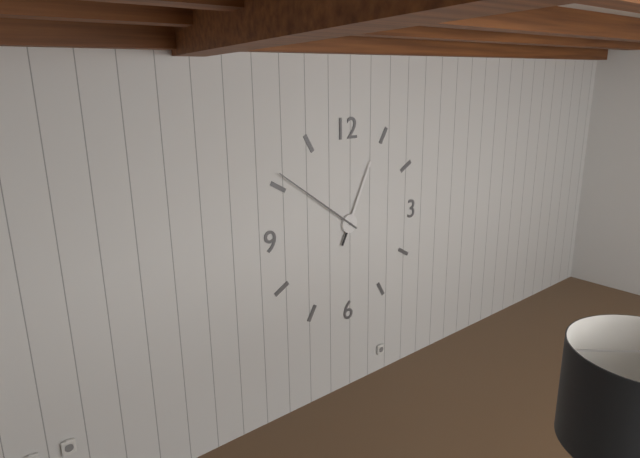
12:51
